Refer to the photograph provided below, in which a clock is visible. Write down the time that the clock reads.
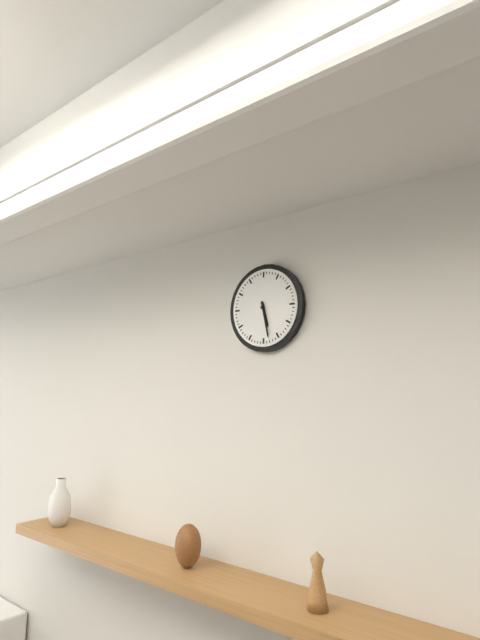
5:28
